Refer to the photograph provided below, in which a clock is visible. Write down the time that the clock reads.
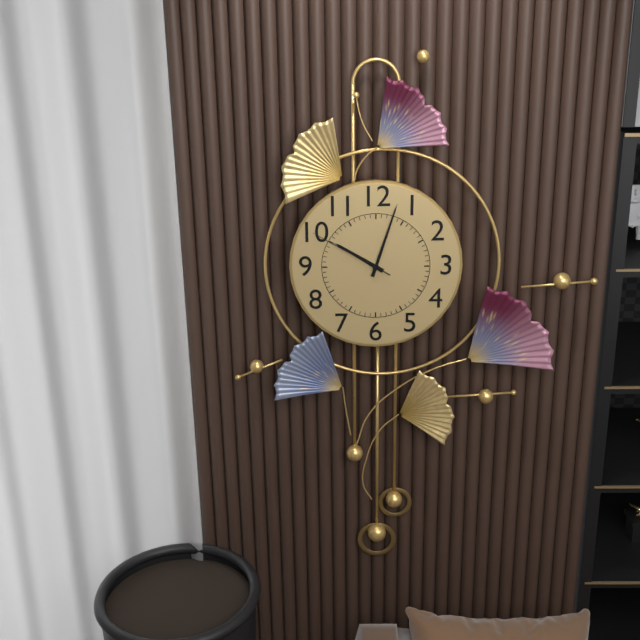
10:03:50
